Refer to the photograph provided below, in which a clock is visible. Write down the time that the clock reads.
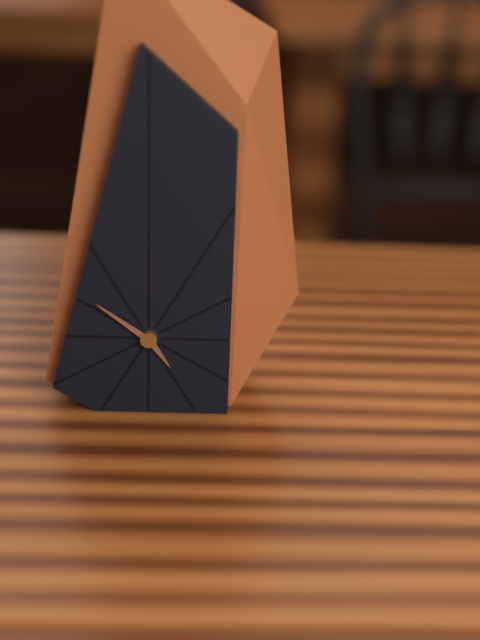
4:51
